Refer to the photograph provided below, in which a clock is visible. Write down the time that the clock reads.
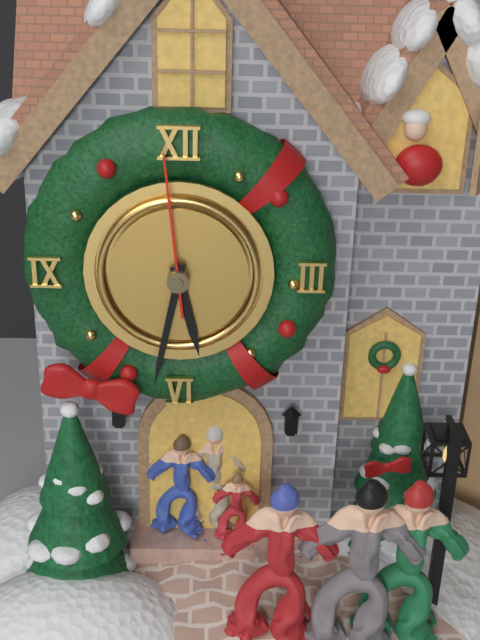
5:32:59
